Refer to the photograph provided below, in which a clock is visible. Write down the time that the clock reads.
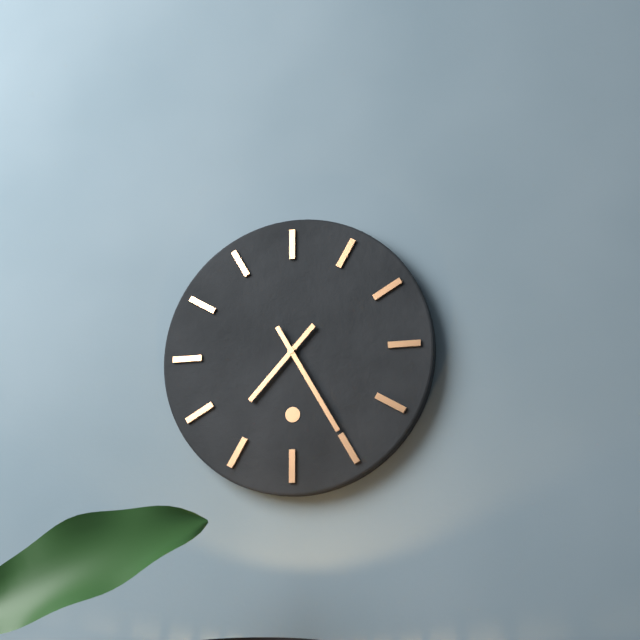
7:25
